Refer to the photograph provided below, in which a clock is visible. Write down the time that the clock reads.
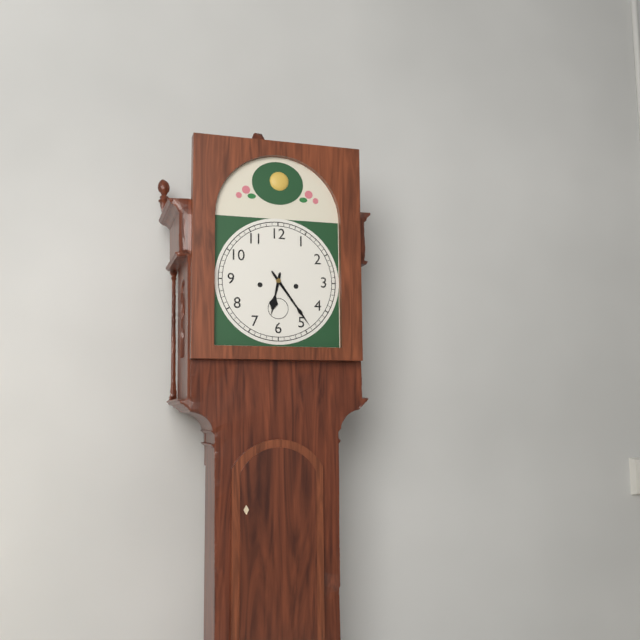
6:24
